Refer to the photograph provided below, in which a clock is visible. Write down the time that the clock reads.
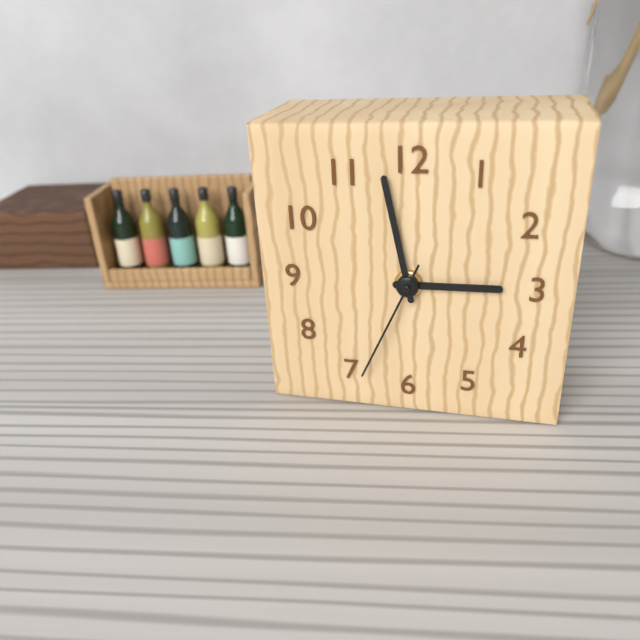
2:58:34
